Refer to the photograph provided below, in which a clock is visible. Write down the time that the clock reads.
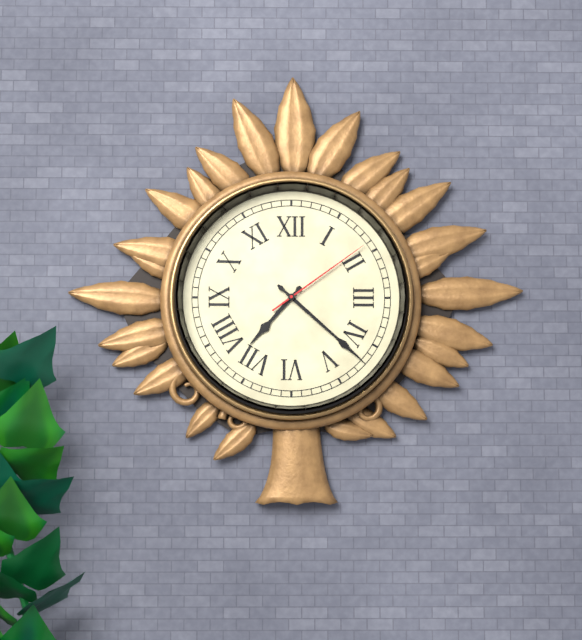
7:22:09
